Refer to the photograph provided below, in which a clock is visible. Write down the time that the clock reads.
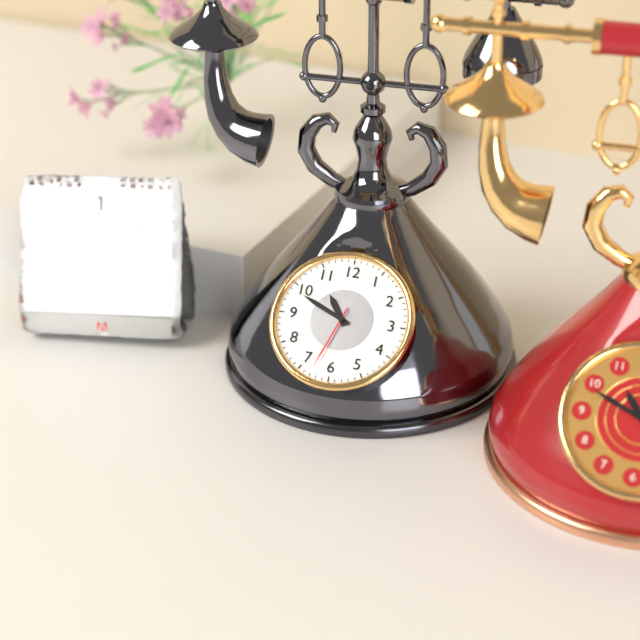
10:49:33
